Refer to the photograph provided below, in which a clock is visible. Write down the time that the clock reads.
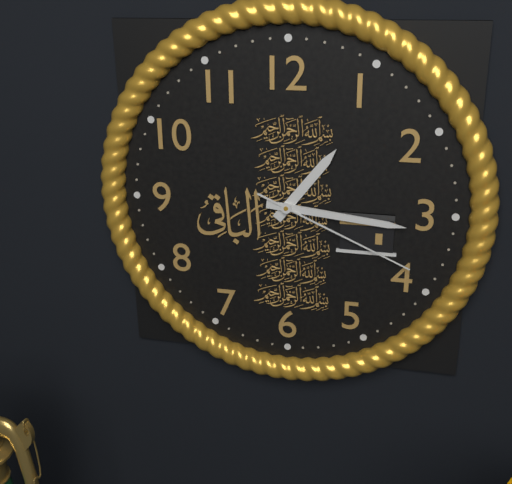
1:16:19
